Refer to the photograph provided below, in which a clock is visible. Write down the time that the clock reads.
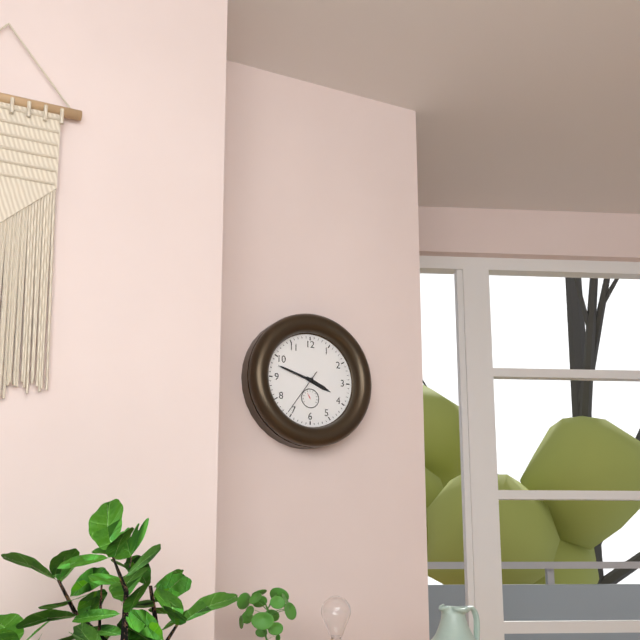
3:48
